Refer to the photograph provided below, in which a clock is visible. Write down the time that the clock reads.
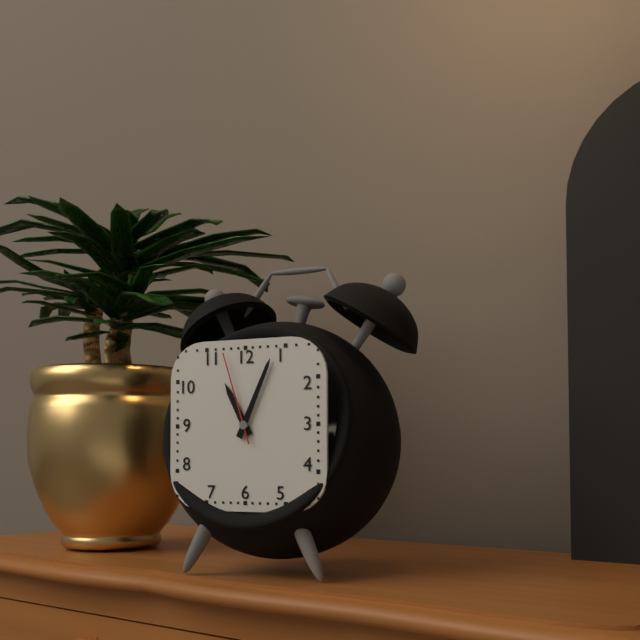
11:04:57
